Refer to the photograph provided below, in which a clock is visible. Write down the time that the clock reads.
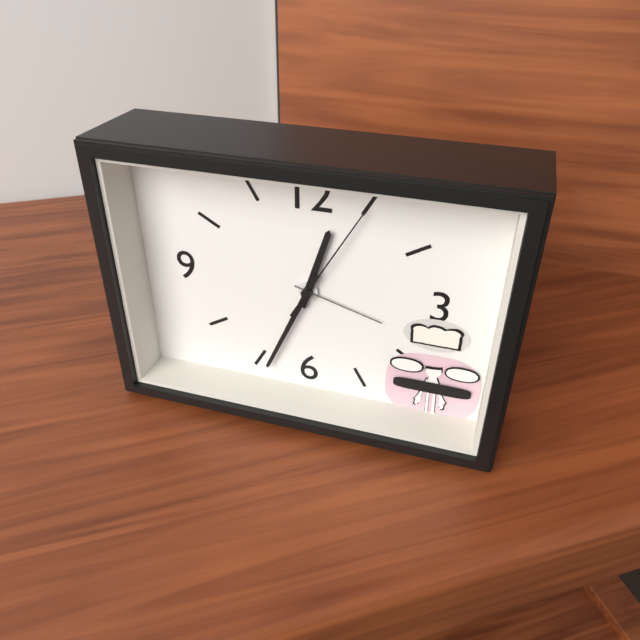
12:34:05
